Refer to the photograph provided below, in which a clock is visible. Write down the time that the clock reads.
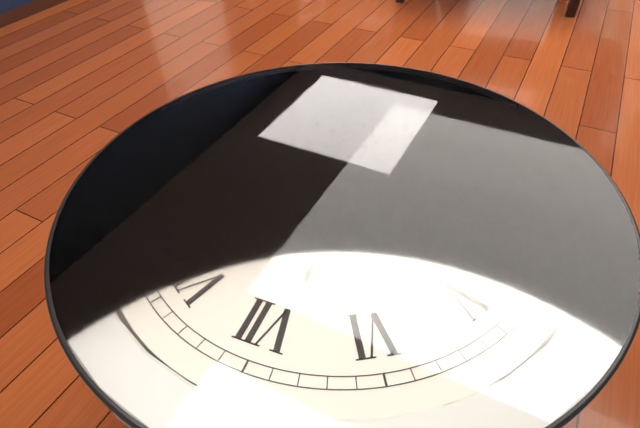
1:34
